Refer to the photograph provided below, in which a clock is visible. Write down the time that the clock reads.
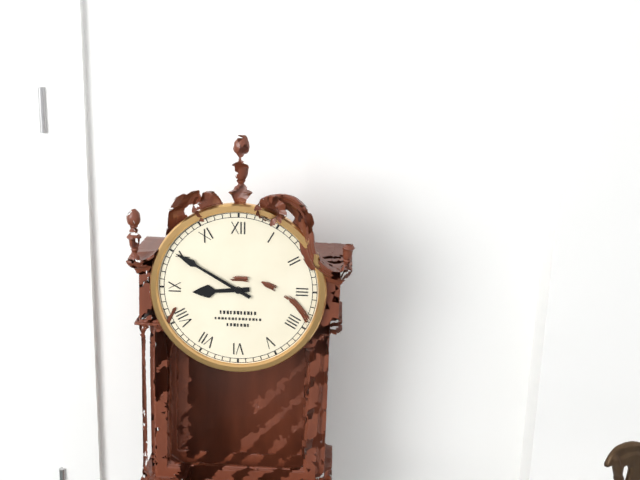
8:50
